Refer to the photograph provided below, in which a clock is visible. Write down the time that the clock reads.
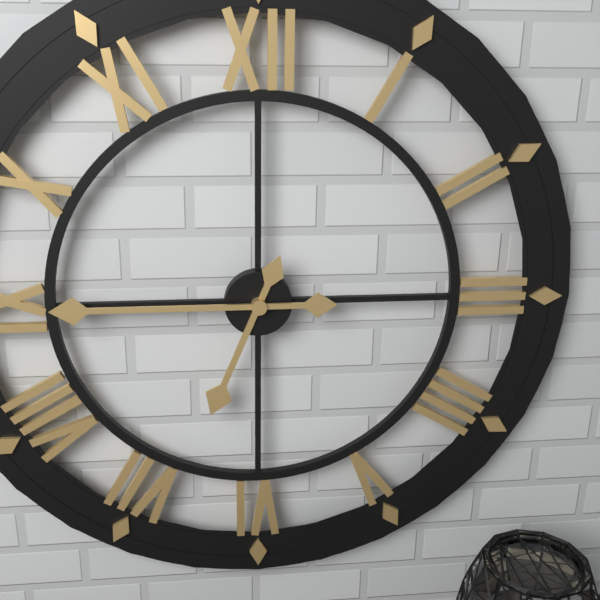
6:45
